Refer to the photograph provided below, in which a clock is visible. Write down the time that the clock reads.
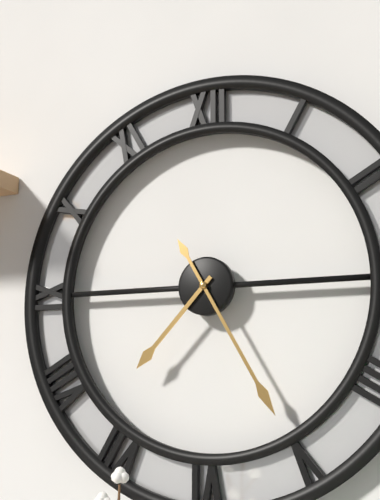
7:25
